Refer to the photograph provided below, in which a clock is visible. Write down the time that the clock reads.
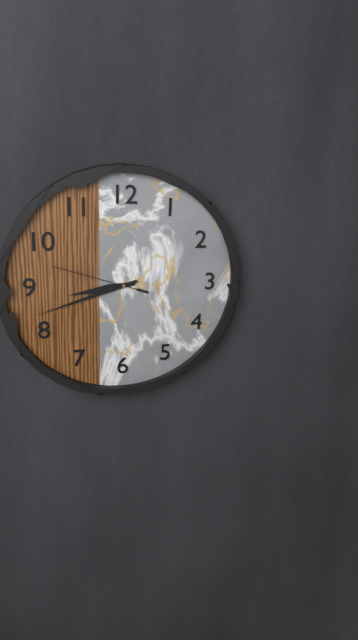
8:42:48
